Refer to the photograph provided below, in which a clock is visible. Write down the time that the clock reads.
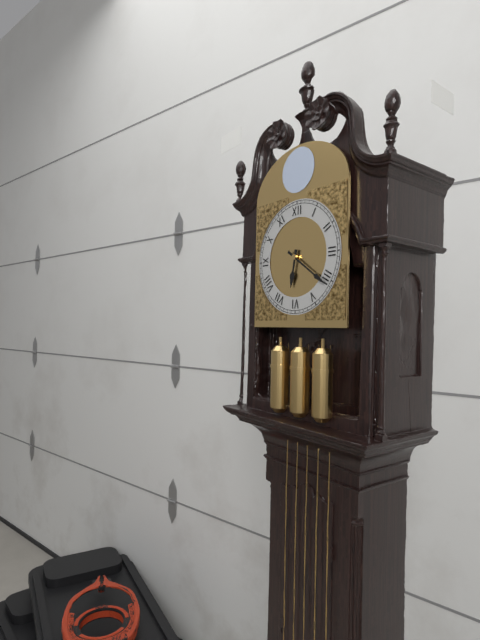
6:21
